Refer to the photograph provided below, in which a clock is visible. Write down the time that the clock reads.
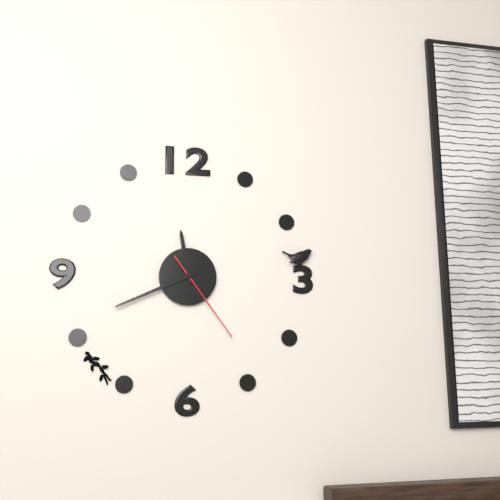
11:41:24
